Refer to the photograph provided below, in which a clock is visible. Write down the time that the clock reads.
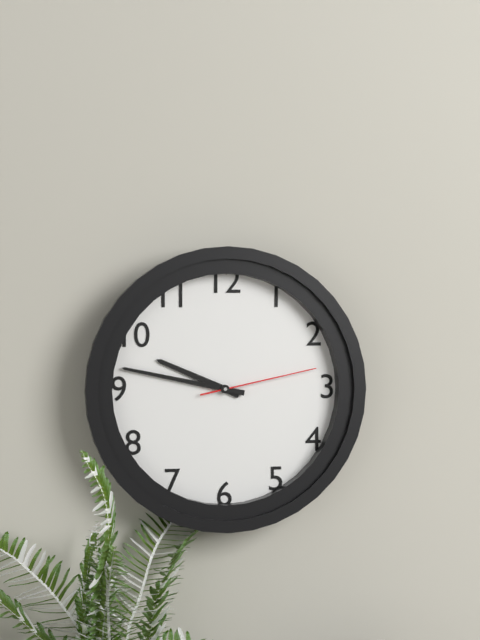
9:47:13
